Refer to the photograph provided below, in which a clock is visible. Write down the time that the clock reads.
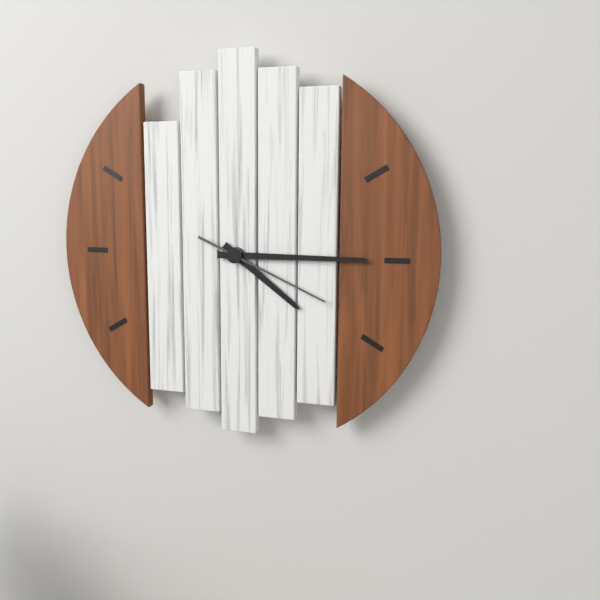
4:15:19
